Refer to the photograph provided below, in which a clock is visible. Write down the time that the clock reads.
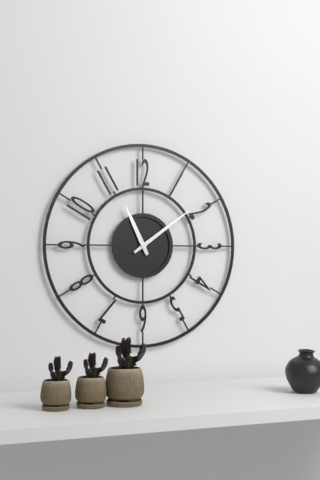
11:09
